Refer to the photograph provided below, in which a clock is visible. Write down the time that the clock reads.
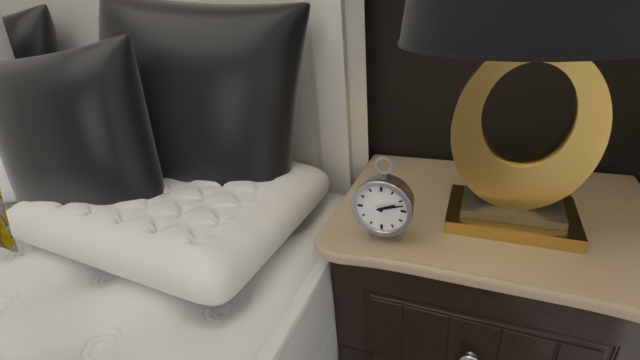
2:12
